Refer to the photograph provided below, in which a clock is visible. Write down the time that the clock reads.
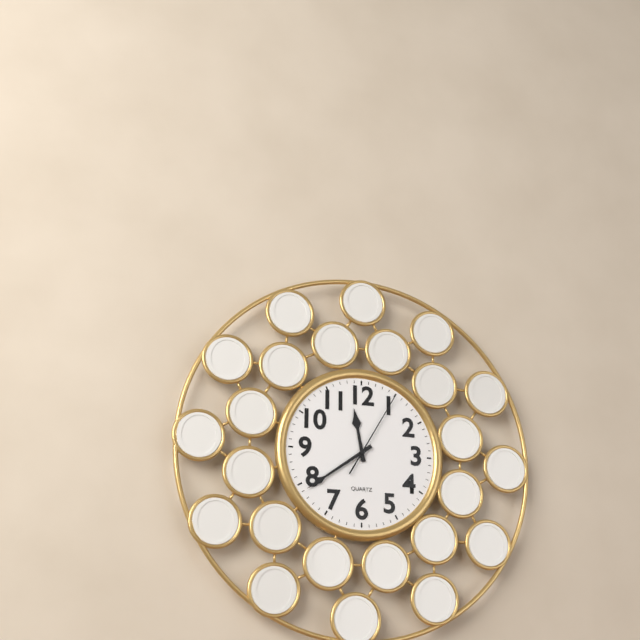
11:39:05
